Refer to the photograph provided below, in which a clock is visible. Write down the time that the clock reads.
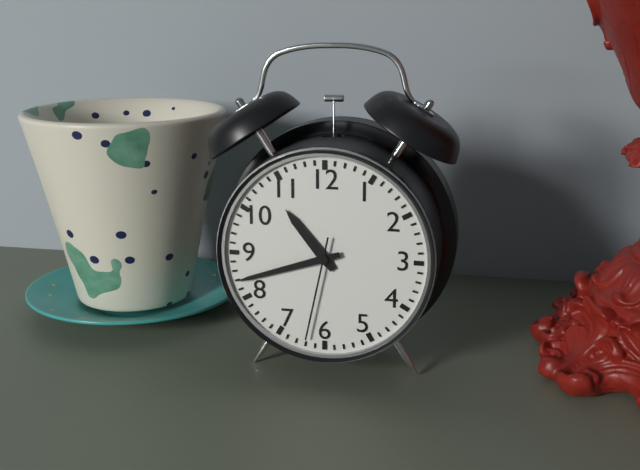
10:42:32
